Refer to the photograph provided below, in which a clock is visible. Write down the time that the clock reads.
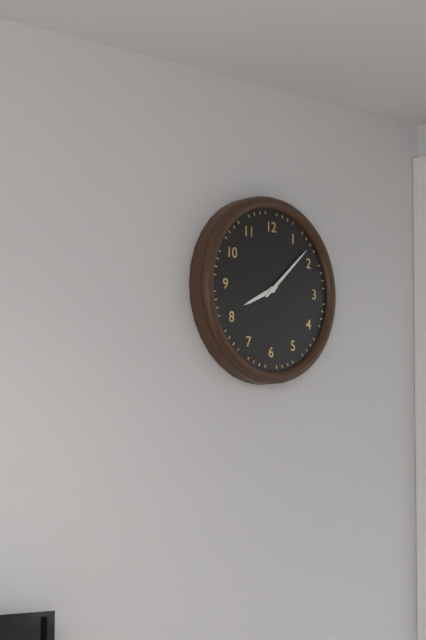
8:08
